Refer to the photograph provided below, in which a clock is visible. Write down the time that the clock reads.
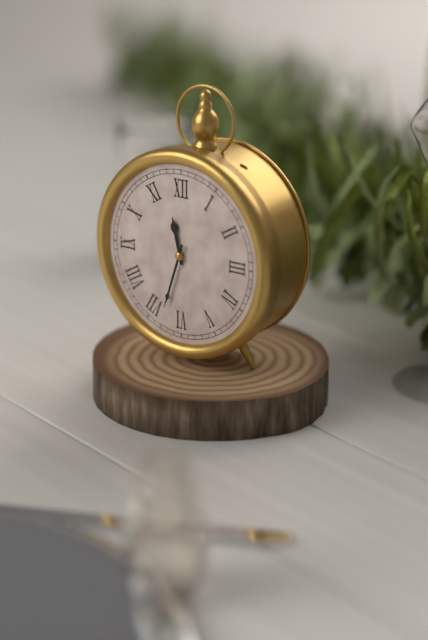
11:33
